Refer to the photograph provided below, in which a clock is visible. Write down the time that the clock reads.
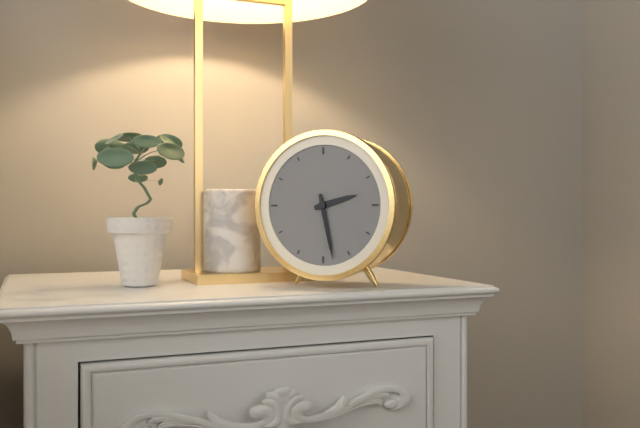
2:28
